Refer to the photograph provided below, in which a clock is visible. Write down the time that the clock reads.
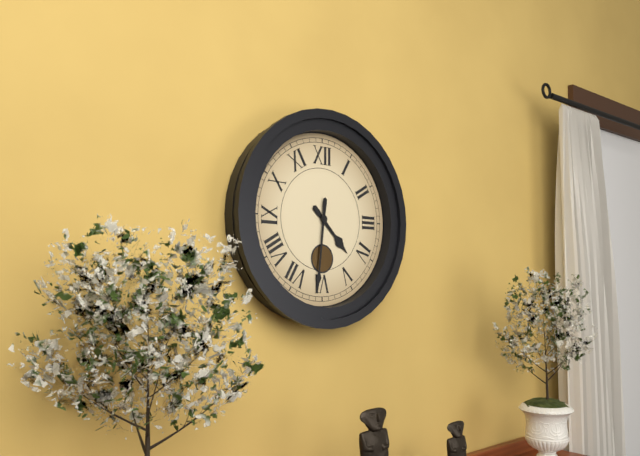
4:31
